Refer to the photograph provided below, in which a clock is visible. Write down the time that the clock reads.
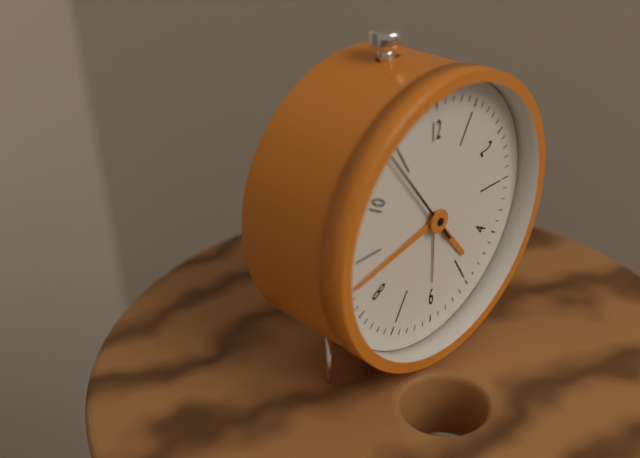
4:43:54
